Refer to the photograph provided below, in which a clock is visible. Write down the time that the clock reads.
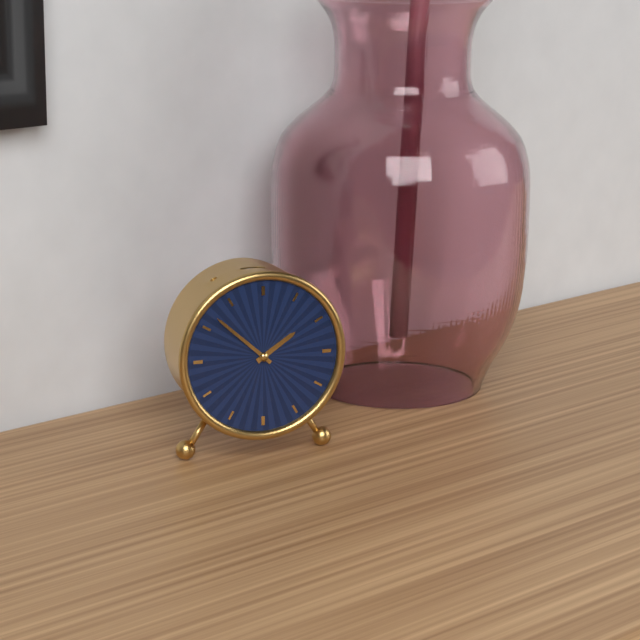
1:52
